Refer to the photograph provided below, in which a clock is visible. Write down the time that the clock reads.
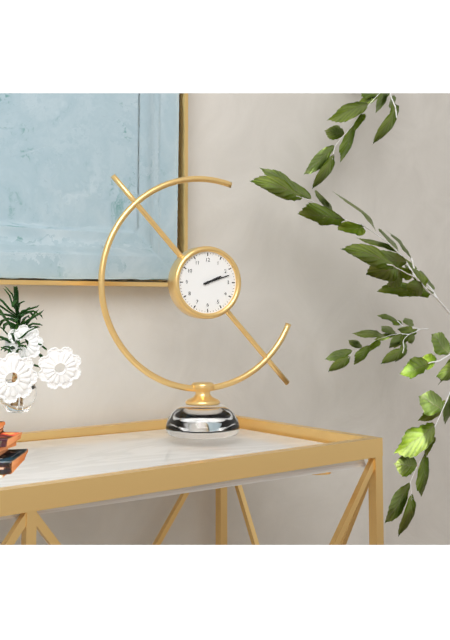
2:12
